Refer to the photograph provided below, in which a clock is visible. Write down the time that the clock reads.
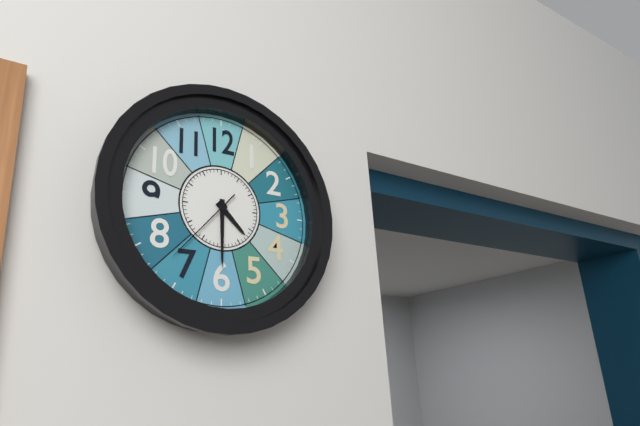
4:30:37
